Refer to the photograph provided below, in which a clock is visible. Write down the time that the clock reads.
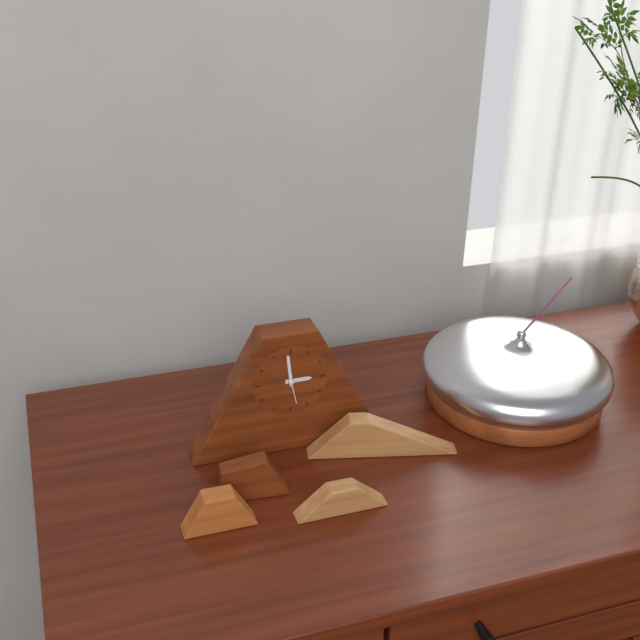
2:59
